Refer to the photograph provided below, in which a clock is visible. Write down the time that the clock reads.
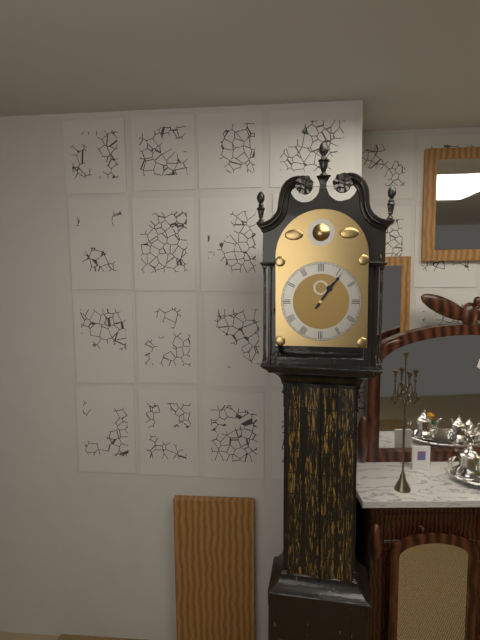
1:06
